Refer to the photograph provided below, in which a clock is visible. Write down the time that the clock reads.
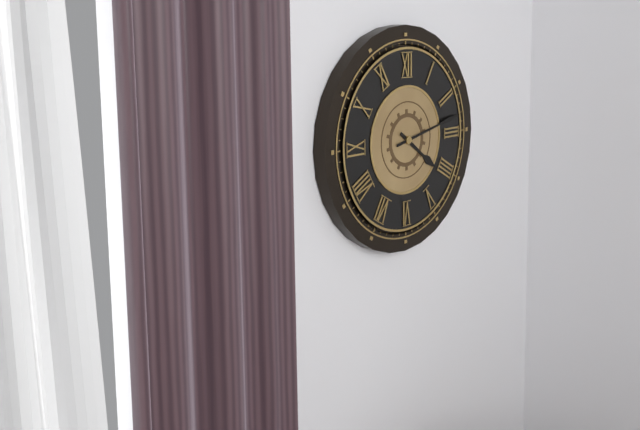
4:13
